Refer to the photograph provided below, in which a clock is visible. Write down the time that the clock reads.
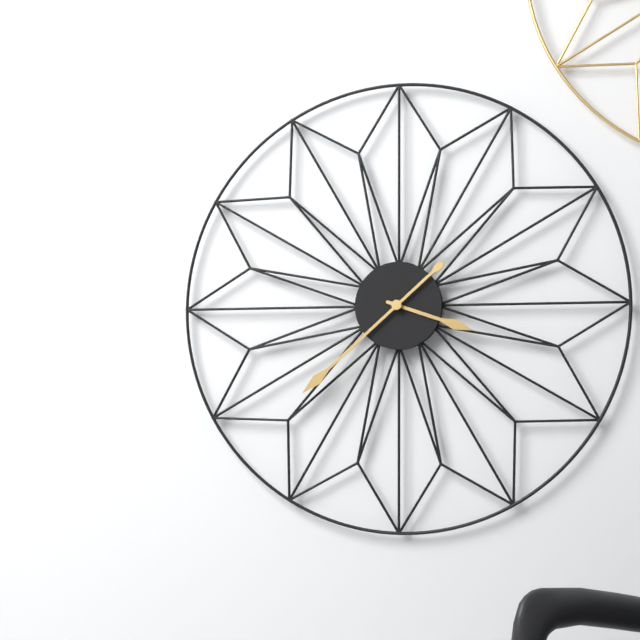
3:38
